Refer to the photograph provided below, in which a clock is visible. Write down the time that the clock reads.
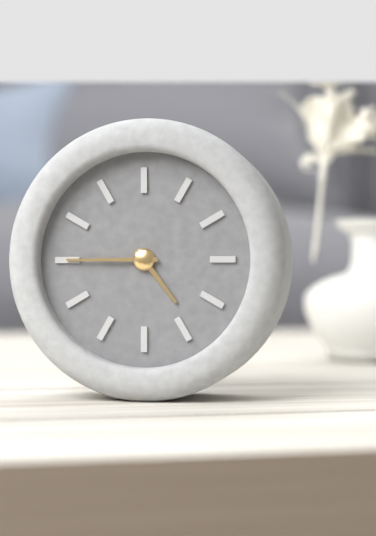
4:45
